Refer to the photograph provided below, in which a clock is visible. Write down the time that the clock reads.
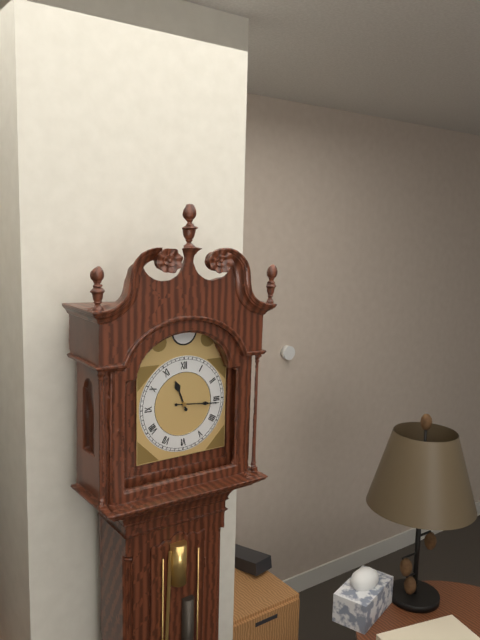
11:16
